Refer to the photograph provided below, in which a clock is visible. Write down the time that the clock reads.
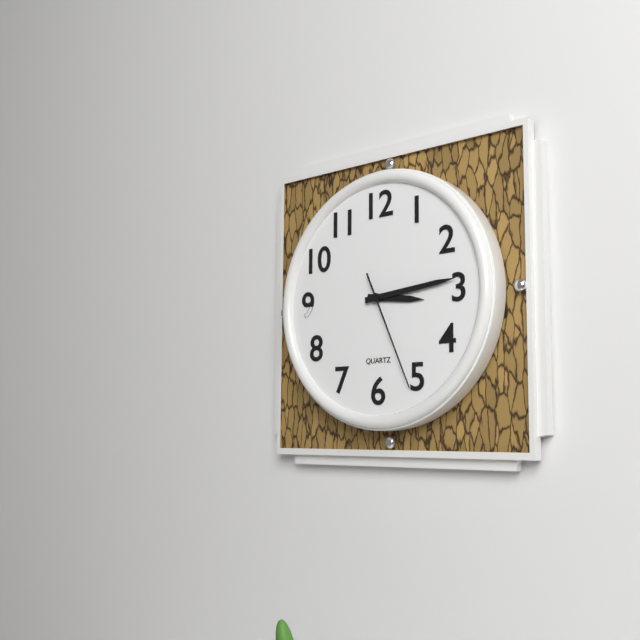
3:14:26
